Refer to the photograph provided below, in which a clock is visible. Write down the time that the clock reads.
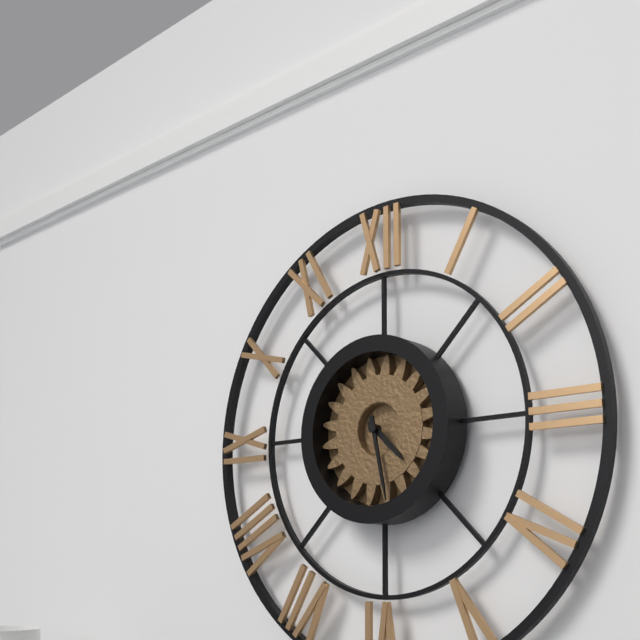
4:28
